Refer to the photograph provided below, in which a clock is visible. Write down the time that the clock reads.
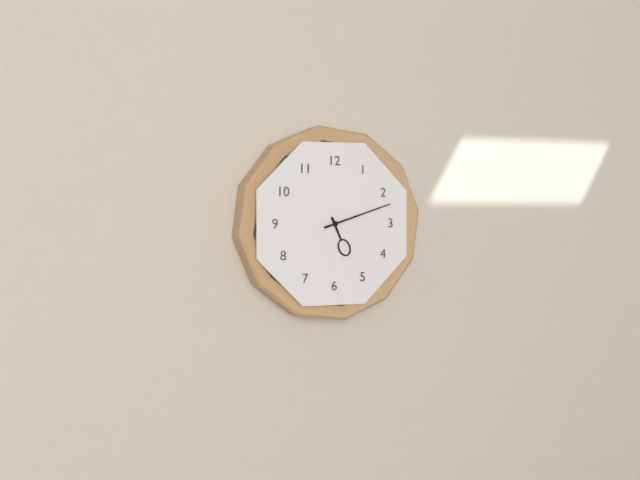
5:12
